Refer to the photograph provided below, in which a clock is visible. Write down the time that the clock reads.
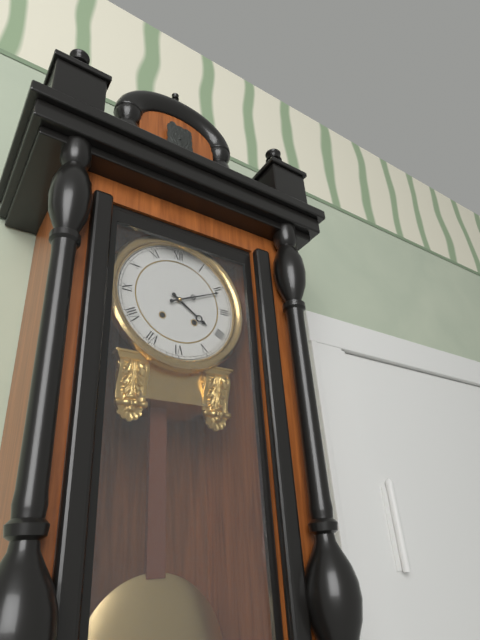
4:11
